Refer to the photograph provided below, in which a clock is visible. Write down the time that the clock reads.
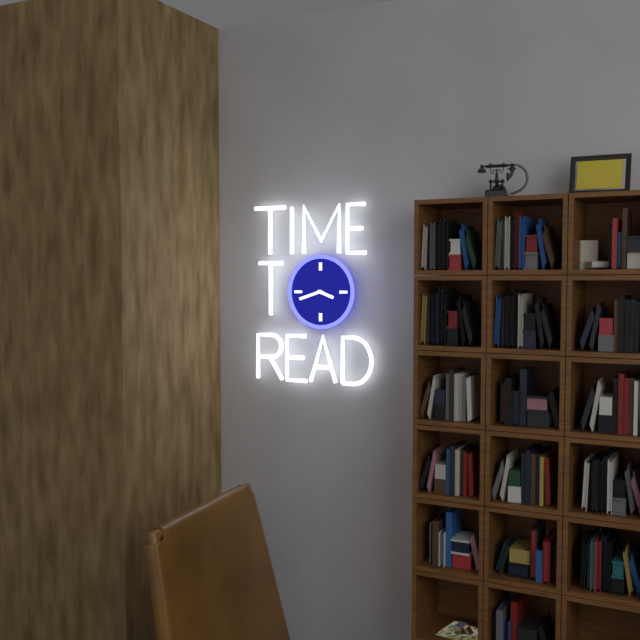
3:42
